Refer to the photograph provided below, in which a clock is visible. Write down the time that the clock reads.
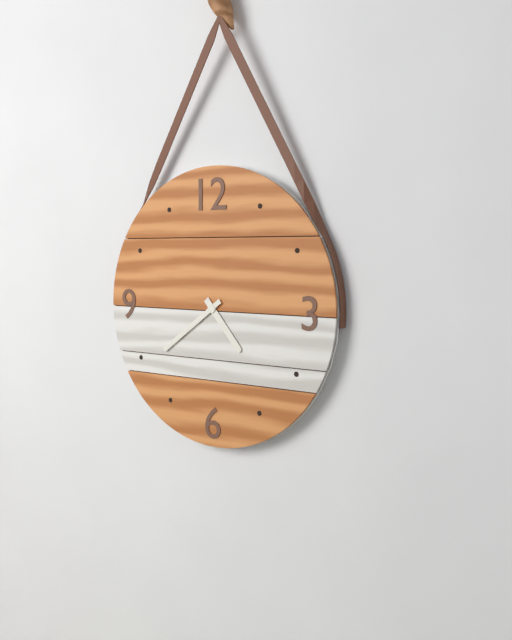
4:39
